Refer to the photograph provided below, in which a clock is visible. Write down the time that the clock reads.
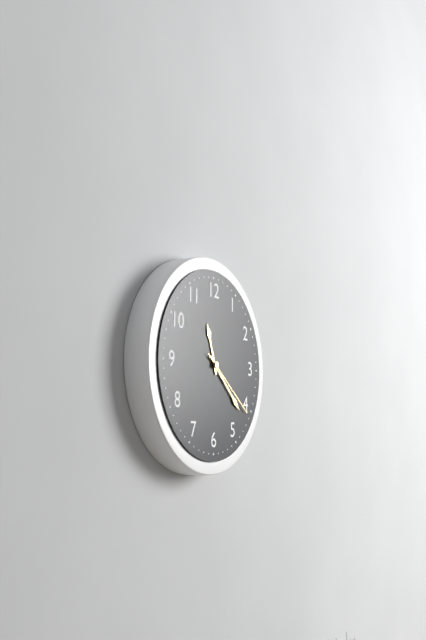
11:22:21
